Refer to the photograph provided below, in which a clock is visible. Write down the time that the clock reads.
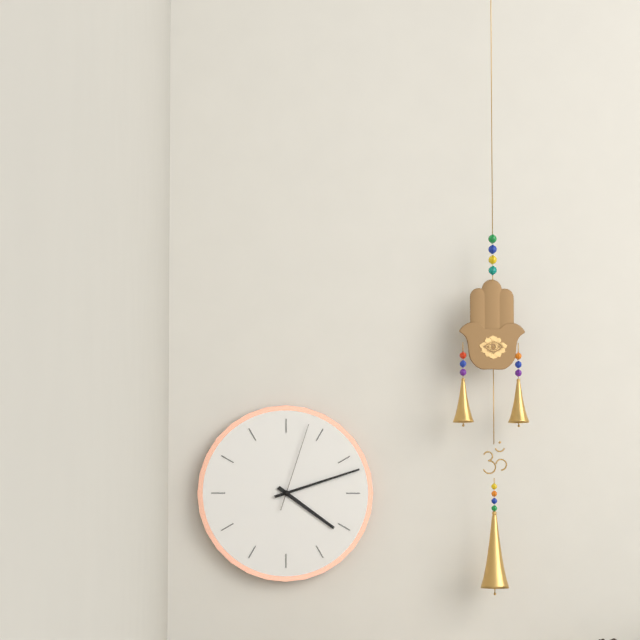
4:12:03
